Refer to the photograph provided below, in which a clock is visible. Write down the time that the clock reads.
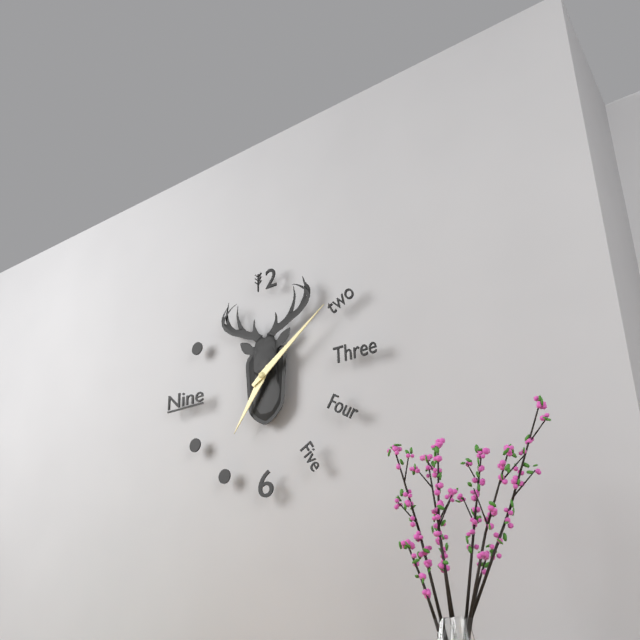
7:09
